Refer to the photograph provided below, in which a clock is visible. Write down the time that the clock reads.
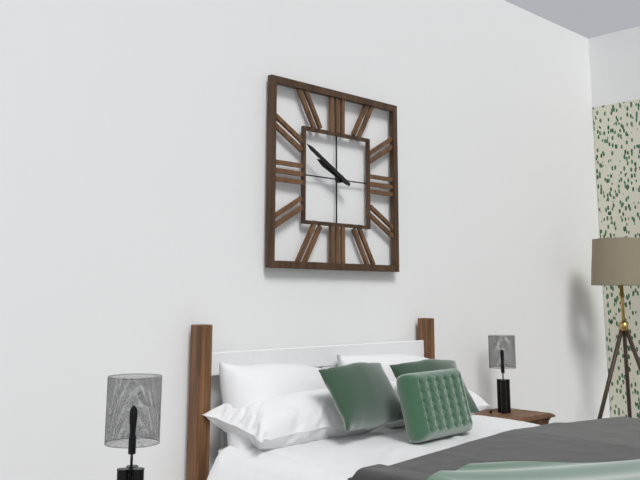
9:50
